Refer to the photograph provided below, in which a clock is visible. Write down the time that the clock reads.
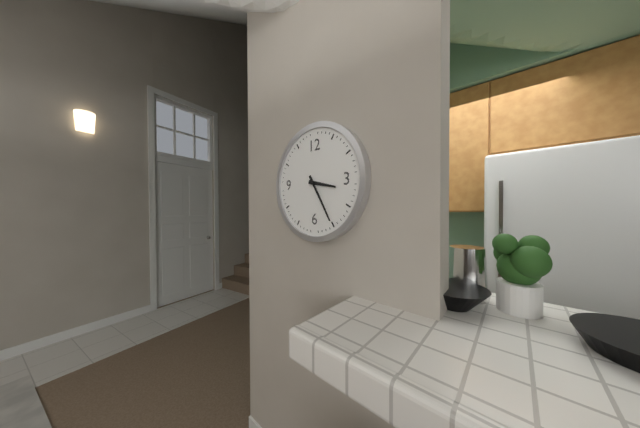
3:25
